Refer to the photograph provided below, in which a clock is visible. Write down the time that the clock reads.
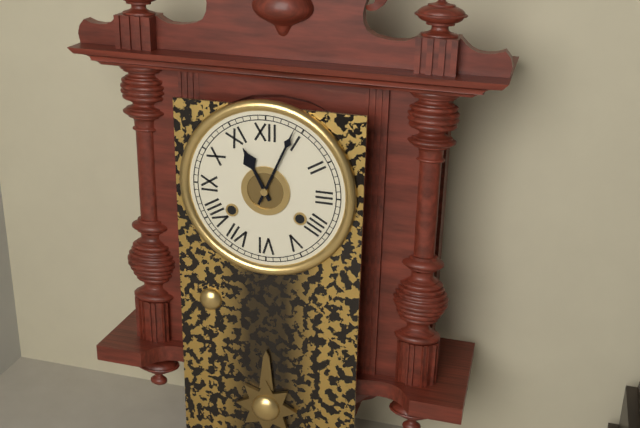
11:04
